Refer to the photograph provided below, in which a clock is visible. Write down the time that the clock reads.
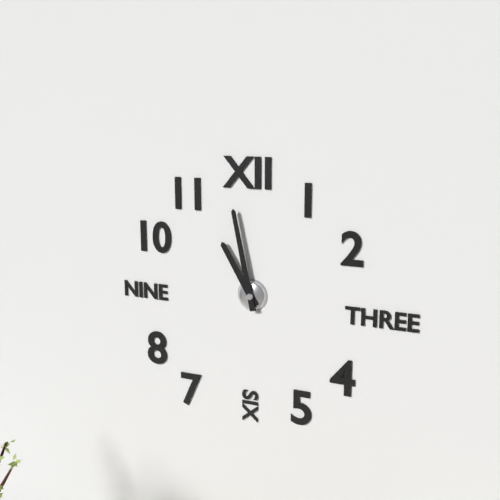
10:58
